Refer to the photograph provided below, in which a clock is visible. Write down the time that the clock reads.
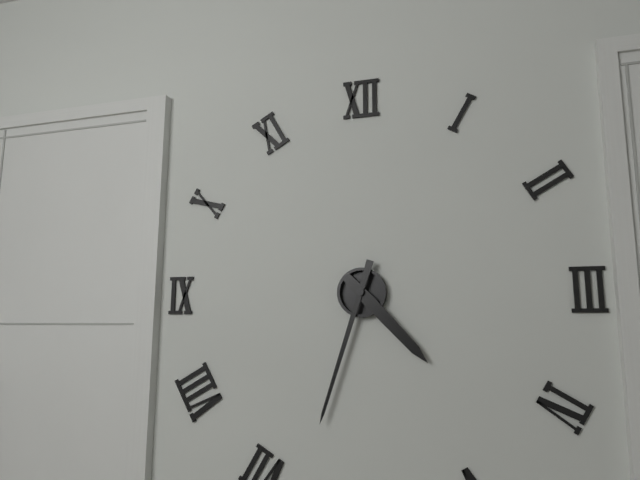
4:33
